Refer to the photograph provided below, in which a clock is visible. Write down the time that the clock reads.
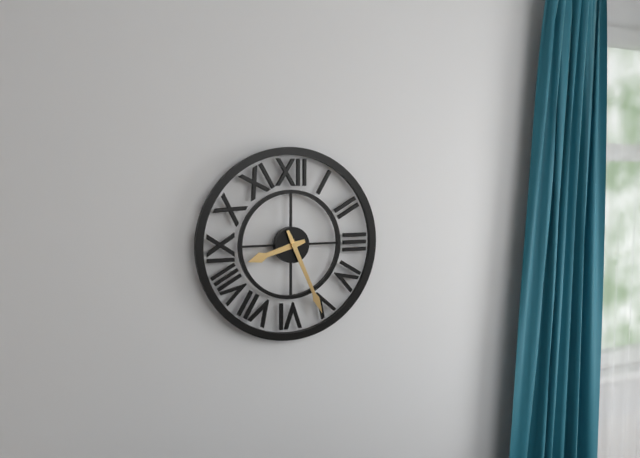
8:26
